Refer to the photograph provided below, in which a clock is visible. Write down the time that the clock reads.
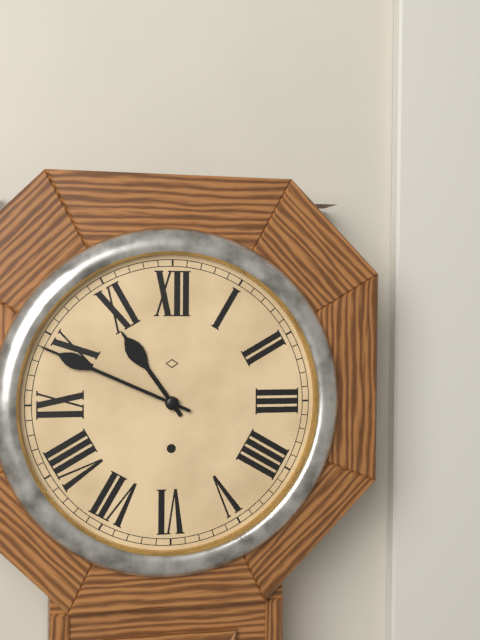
10:49
